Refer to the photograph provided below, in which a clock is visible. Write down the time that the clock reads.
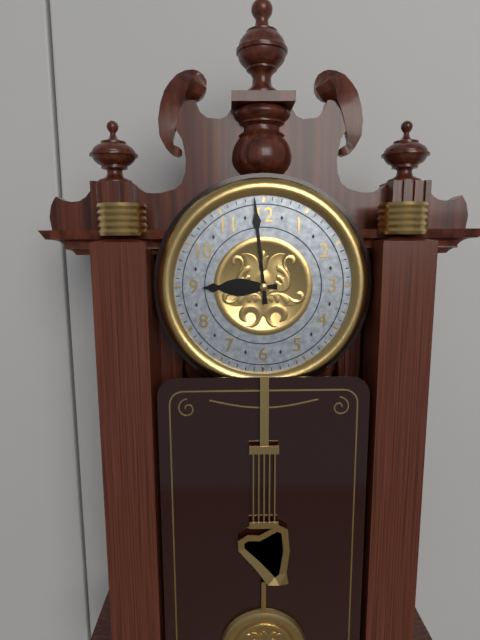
8:59
